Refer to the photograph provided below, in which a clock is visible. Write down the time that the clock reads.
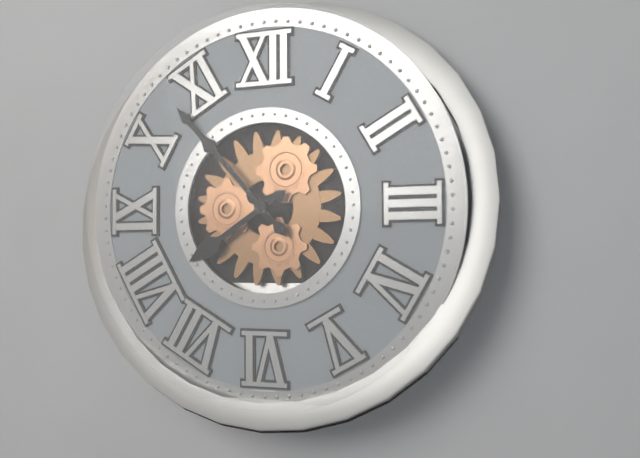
7:53
